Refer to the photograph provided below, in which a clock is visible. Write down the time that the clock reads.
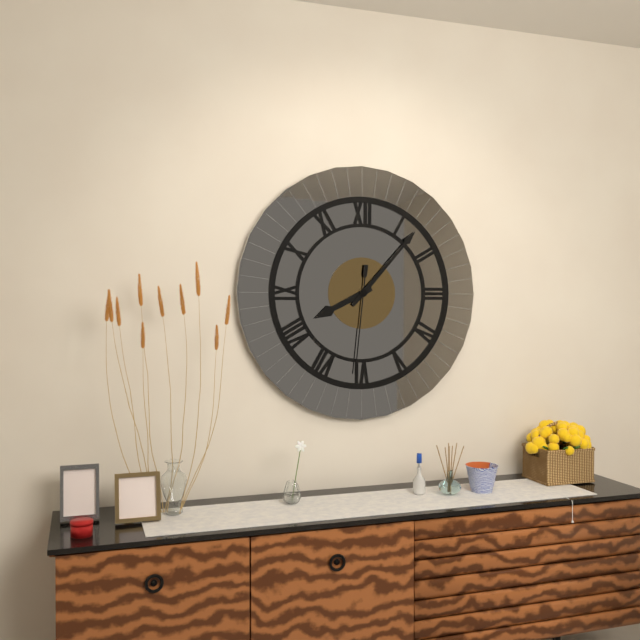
8:07:31
